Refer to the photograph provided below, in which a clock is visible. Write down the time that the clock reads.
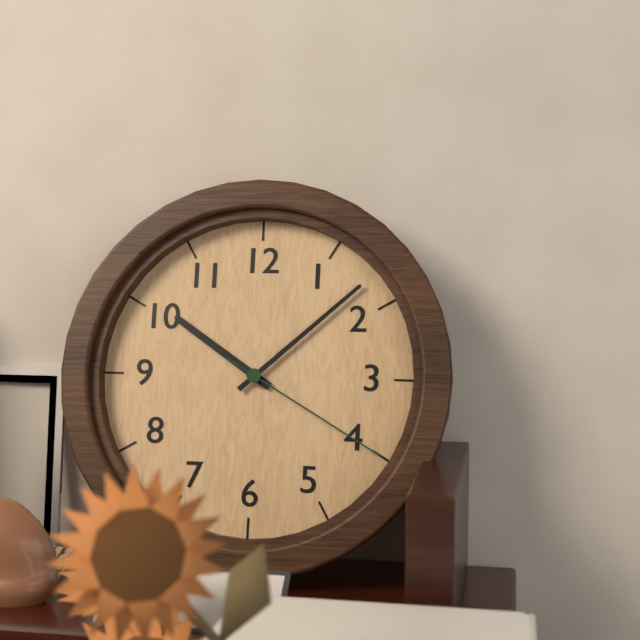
10:08:20
